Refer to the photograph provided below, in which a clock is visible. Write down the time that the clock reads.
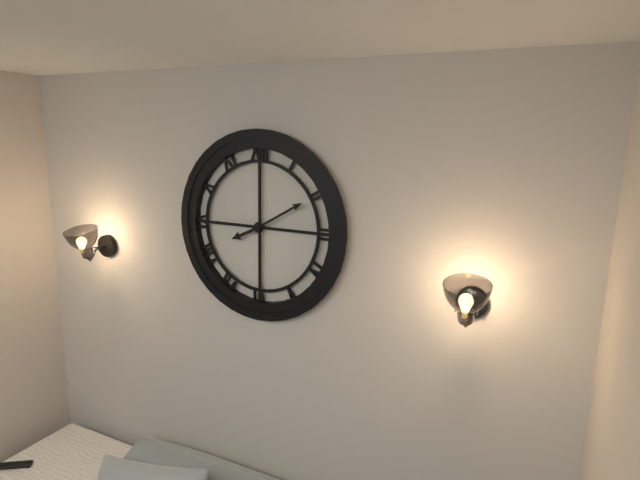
8:10
